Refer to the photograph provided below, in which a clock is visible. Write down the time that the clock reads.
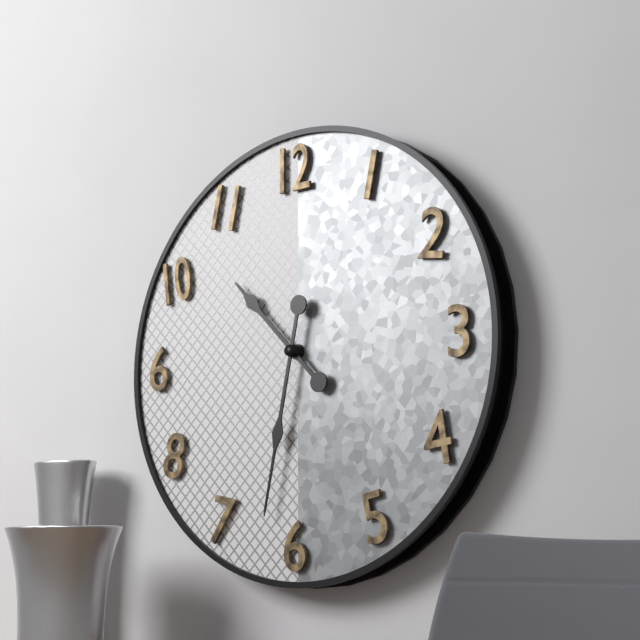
10:32
